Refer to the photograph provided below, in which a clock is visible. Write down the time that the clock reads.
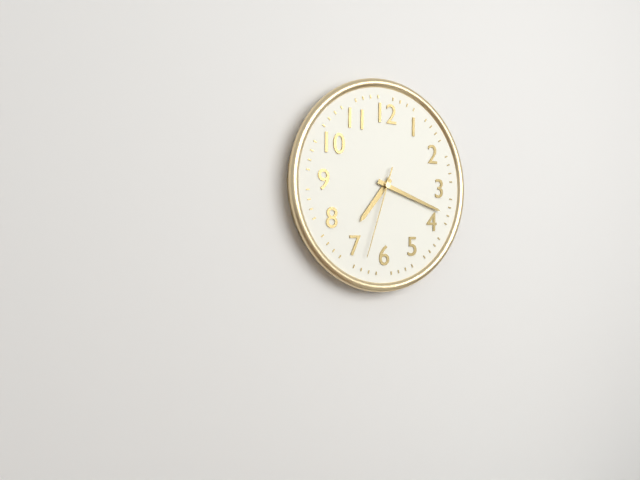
7:18:33
